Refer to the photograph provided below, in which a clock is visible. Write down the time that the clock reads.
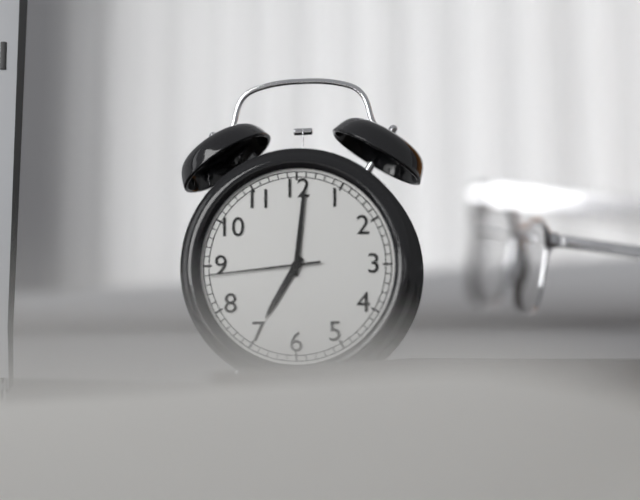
7:01:44
